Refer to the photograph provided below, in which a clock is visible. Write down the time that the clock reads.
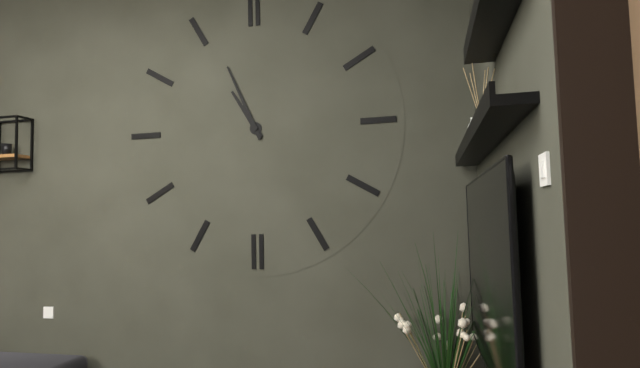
10:56
